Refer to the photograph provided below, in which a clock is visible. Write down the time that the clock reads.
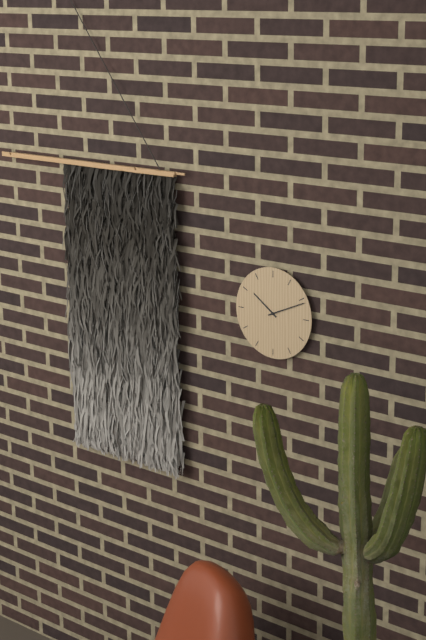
10:11
